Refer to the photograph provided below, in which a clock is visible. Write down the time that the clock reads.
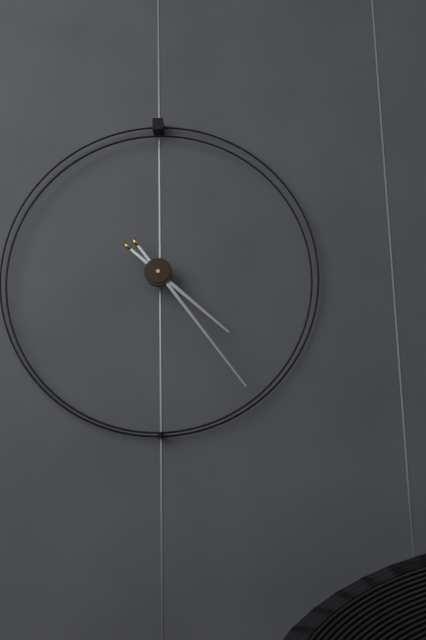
4:24
